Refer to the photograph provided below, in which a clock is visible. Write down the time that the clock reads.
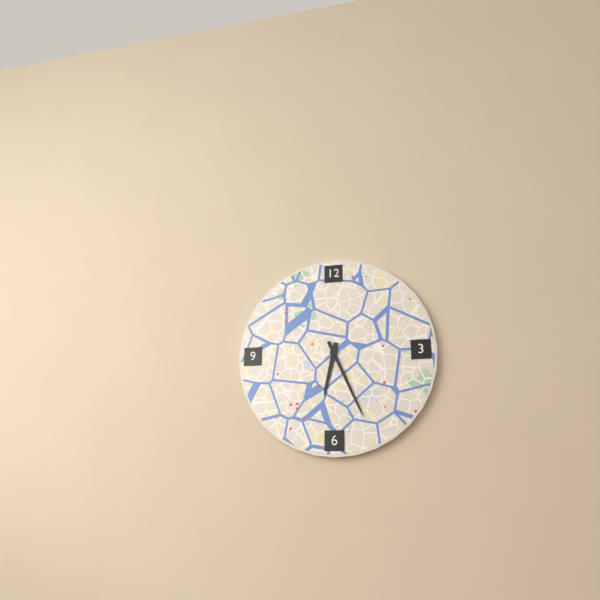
6:26
